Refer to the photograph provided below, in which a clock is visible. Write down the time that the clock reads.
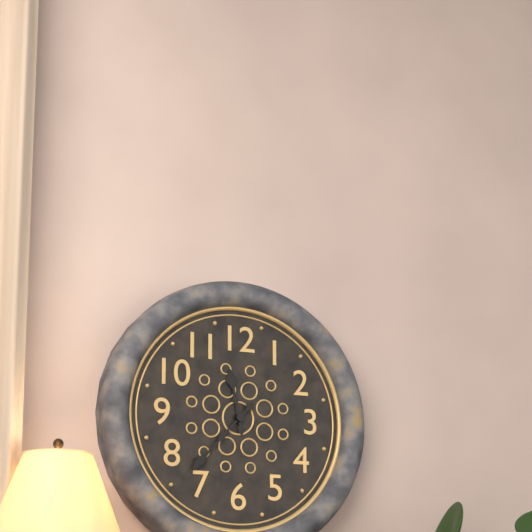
11:37
